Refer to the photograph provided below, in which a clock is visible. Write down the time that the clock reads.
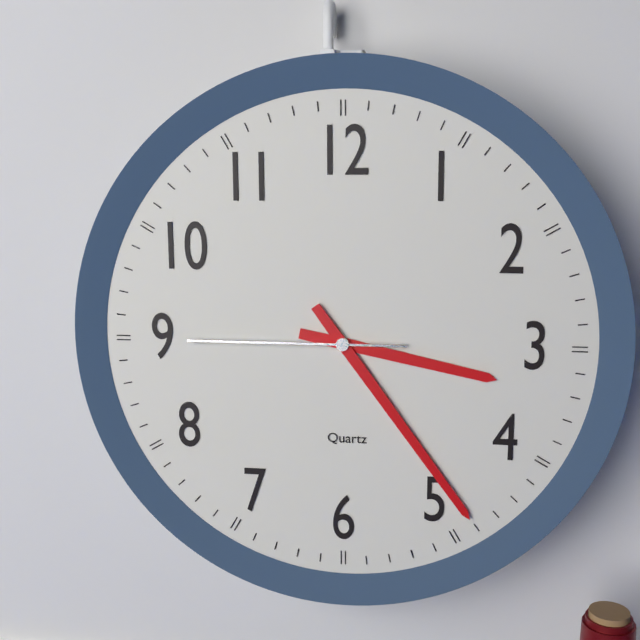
3:24:45
